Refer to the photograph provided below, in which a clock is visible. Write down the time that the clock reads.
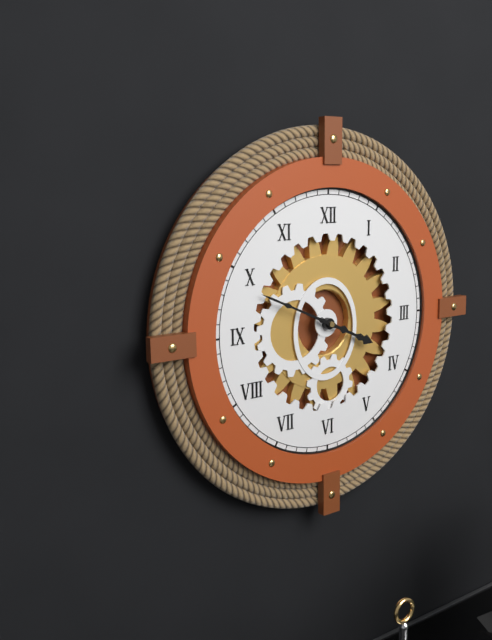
3:49
